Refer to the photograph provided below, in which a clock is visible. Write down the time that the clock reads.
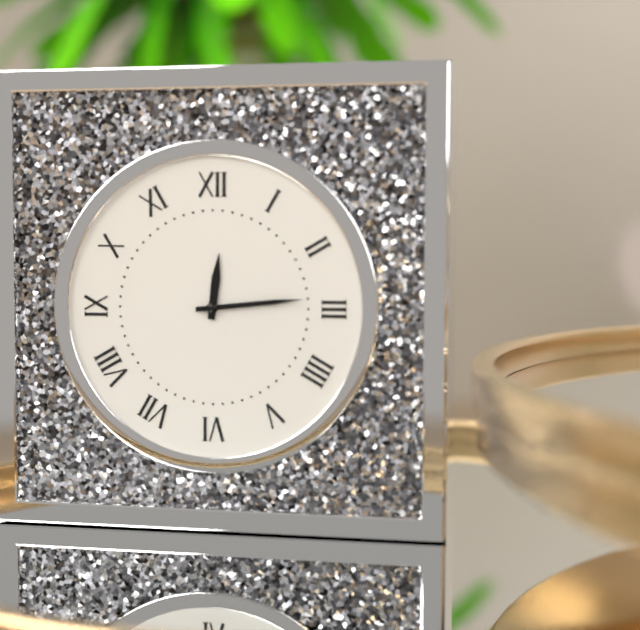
12:14
